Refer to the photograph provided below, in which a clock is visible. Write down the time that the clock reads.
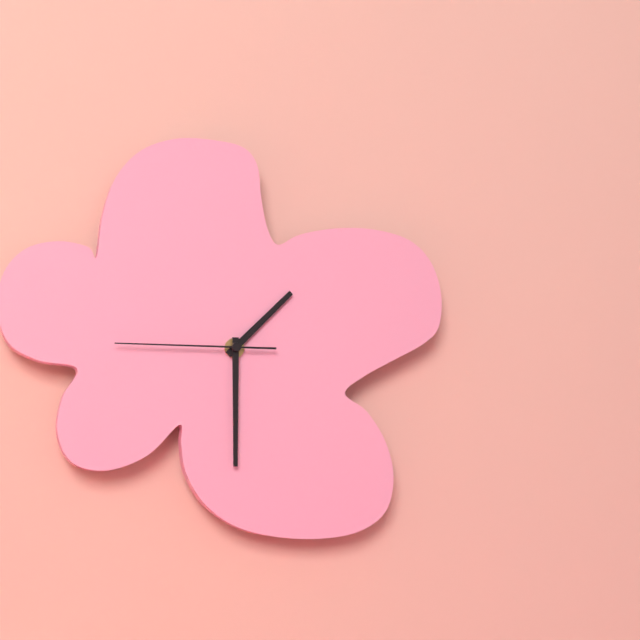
1:30:45
